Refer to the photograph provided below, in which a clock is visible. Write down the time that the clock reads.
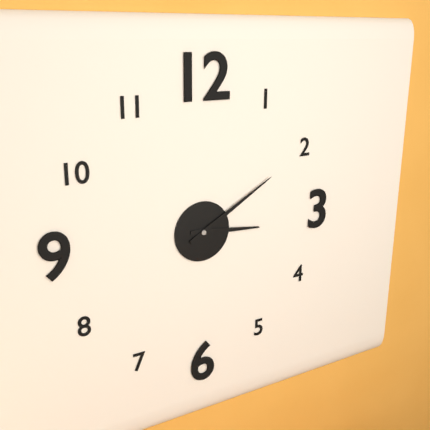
3:10
